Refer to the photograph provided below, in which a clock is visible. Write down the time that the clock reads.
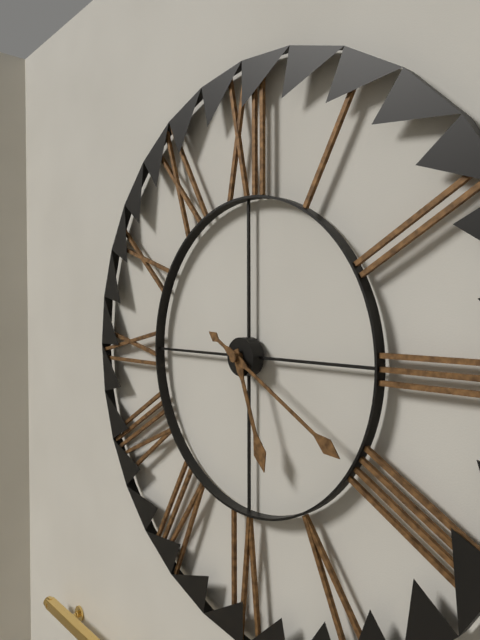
5:20
